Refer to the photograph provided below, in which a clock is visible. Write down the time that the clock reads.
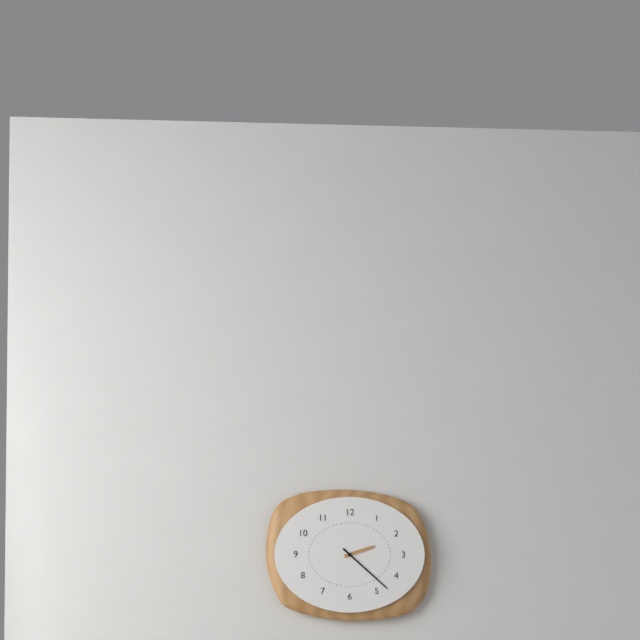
2:22
